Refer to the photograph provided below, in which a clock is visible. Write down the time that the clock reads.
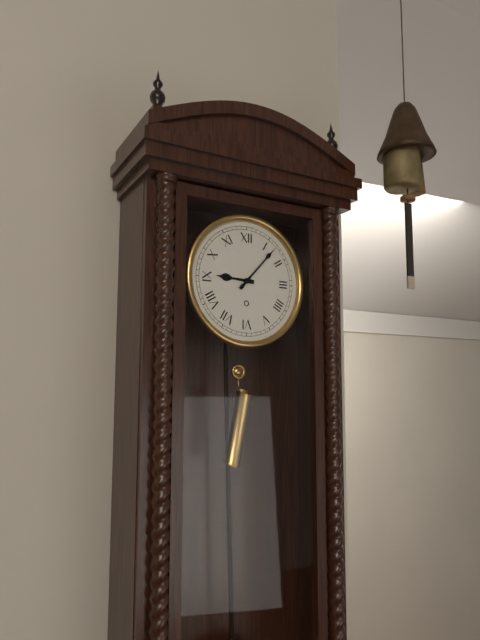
9:07
